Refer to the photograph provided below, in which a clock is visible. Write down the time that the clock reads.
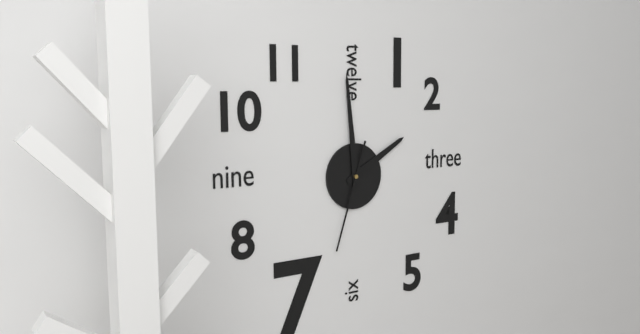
1:59:33
